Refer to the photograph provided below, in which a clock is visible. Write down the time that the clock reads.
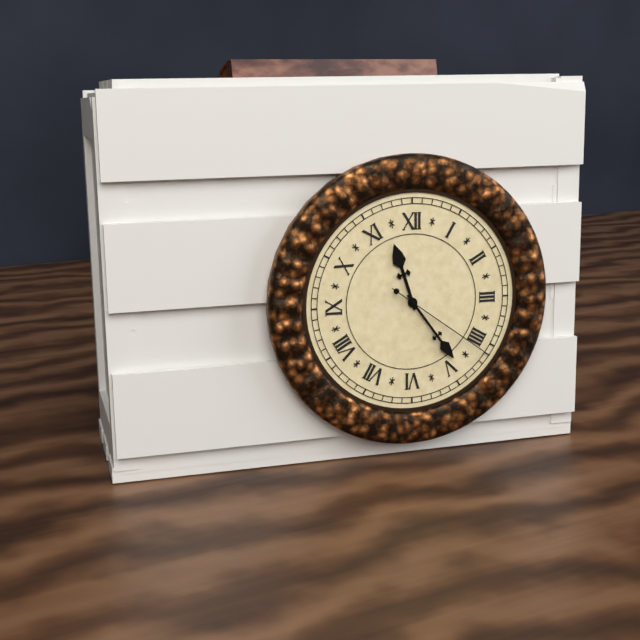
11:24:21
